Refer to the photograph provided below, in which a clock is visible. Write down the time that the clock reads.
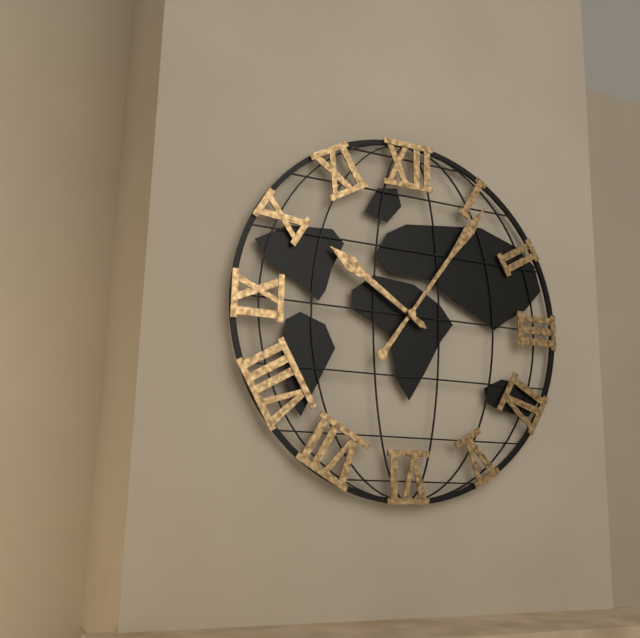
10:06
